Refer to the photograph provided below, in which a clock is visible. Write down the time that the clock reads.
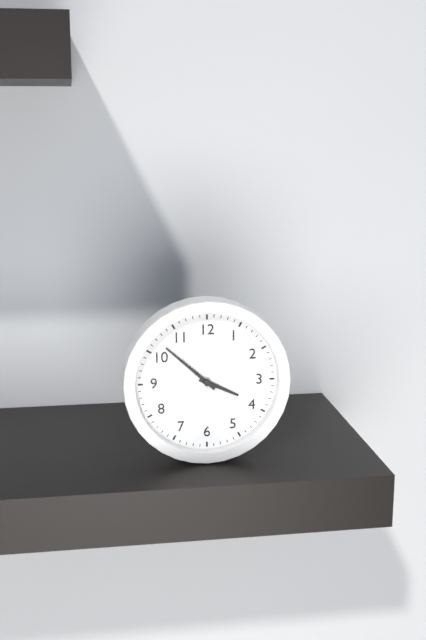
3:52
